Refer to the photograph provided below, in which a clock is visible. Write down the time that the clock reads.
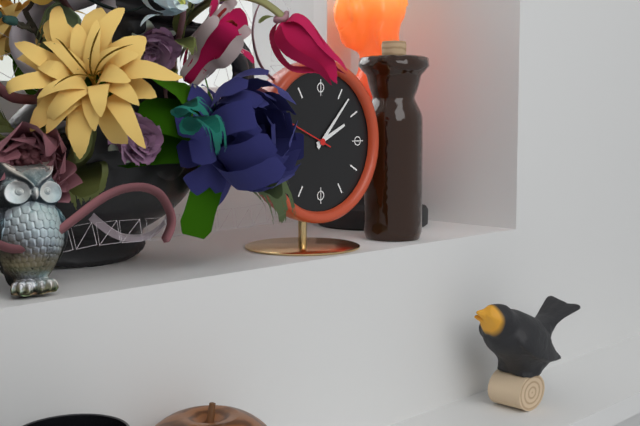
2:07:49
